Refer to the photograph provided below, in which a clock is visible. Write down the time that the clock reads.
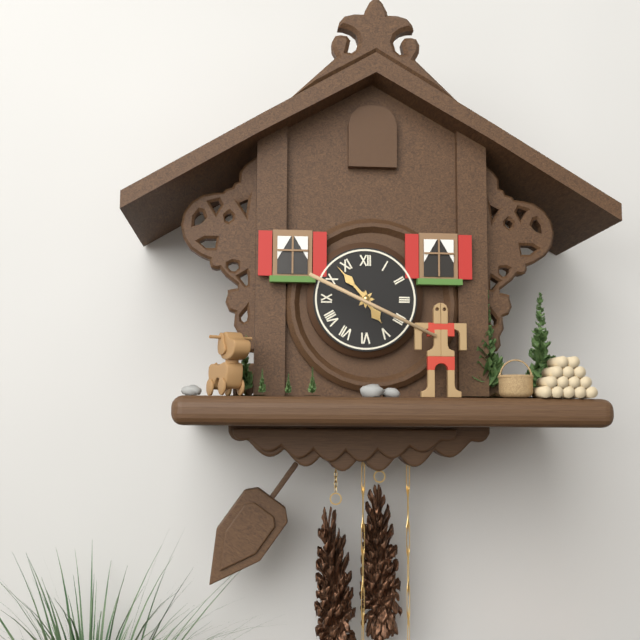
4:53
